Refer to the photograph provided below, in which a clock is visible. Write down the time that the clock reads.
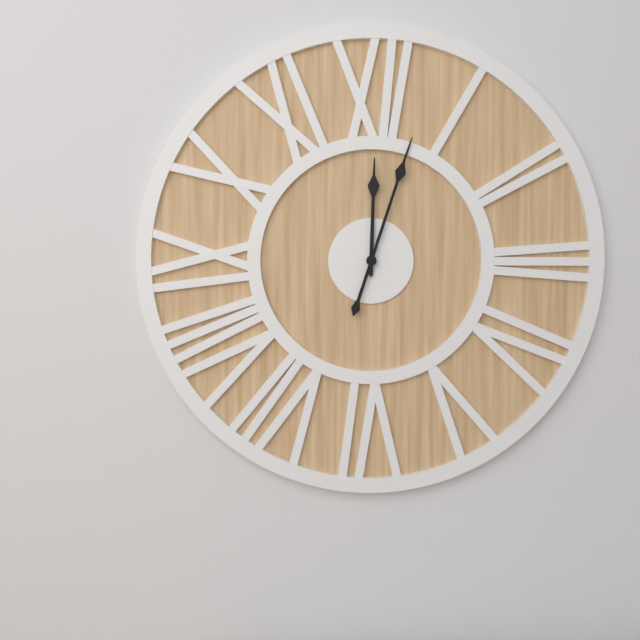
12:03
